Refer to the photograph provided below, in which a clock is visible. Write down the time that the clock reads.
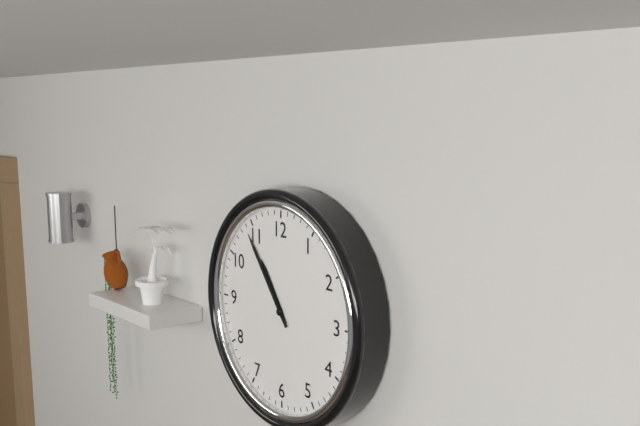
10:54
